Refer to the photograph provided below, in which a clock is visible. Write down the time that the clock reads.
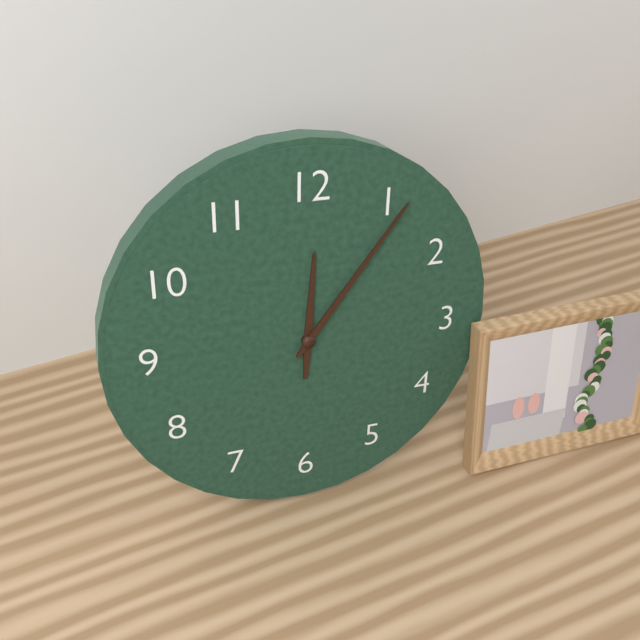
12:06
